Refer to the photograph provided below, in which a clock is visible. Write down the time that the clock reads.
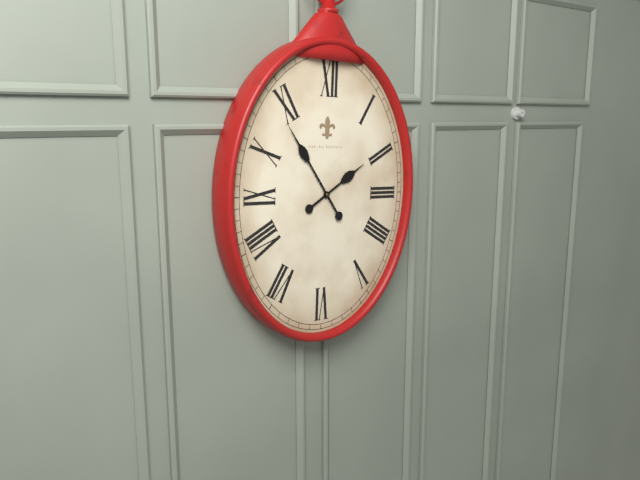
1:54
